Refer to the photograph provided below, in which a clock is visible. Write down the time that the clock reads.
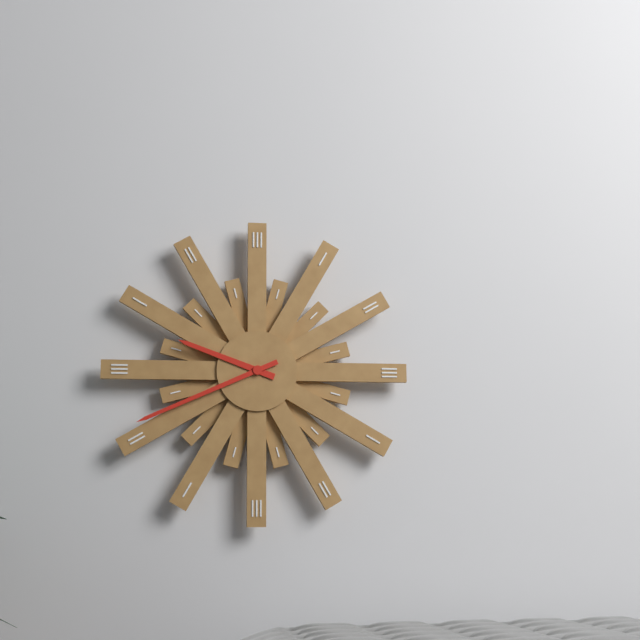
9:41
